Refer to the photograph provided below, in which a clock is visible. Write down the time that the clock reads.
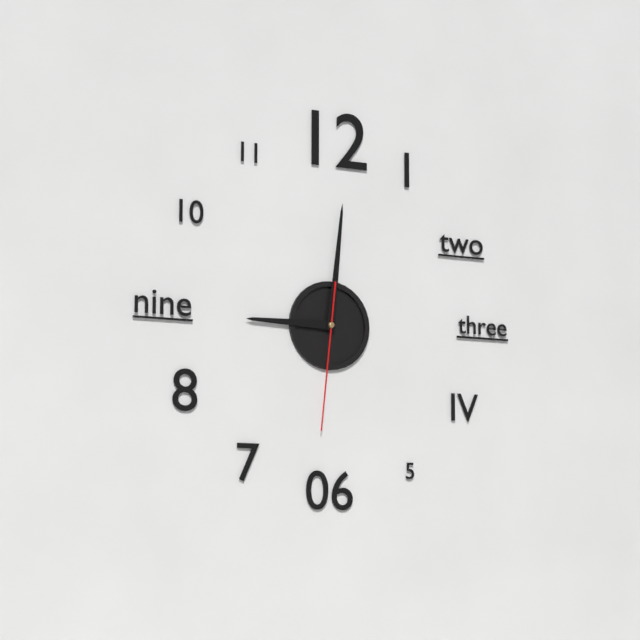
9:01:31
